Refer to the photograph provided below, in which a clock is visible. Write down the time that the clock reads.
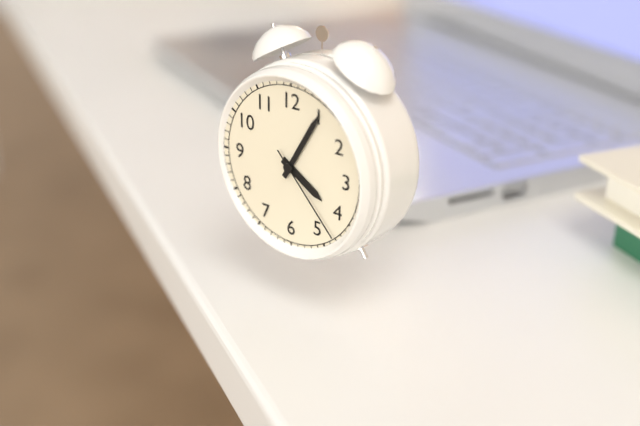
4:05:23
